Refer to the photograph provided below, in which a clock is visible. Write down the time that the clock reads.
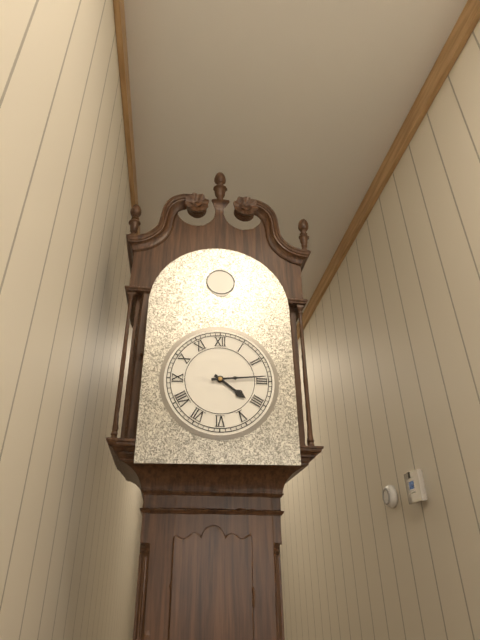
4:14
